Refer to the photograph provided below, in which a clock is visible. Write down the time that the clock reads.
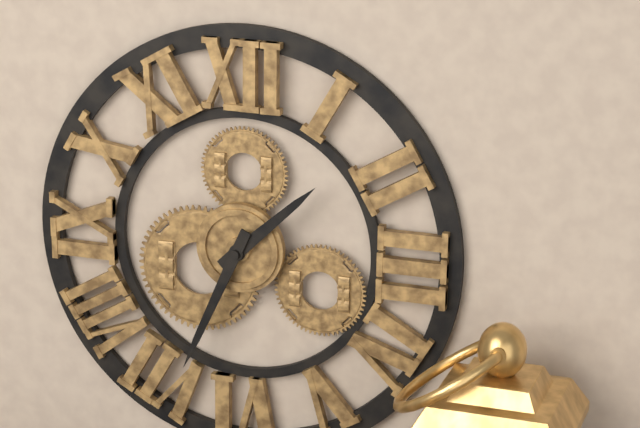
1:34
